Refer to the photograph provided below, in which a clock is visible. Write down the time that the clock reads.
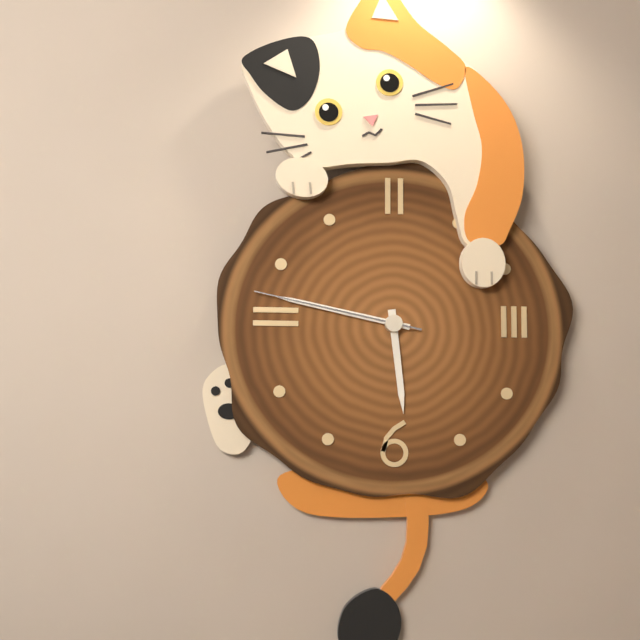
5:47:47
